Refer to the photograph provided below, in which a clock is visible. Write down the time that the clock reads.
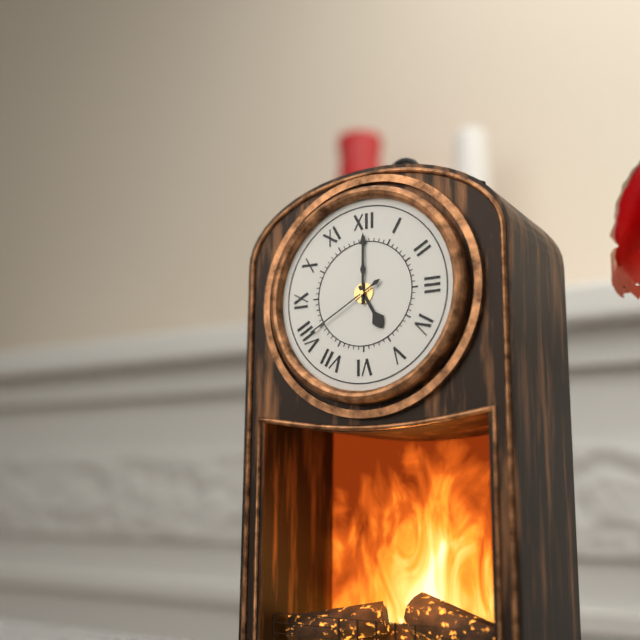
5:00:40
